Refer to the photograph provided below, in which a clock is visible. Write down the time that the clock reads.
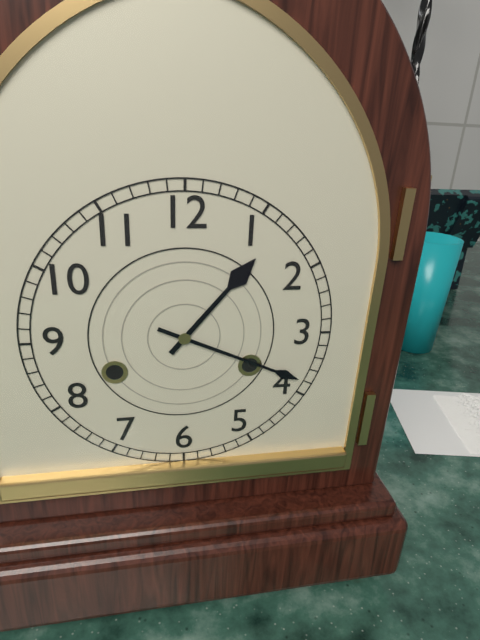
1:19
